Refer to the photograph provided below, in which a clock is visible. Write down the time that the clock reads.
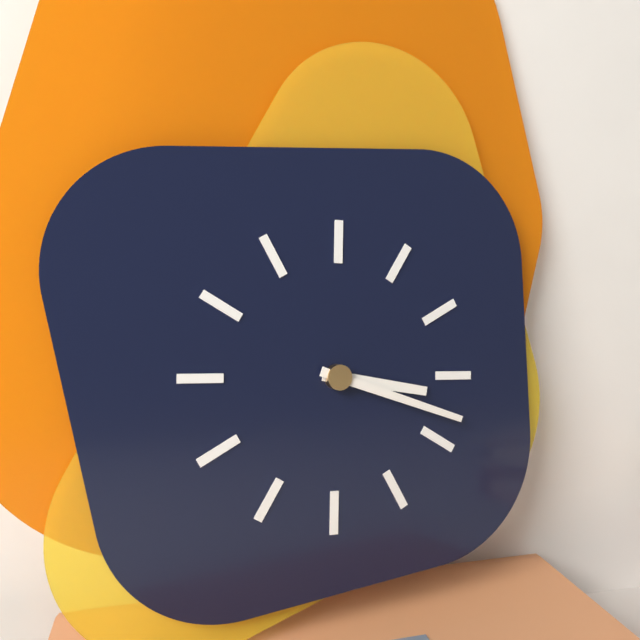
3:18
